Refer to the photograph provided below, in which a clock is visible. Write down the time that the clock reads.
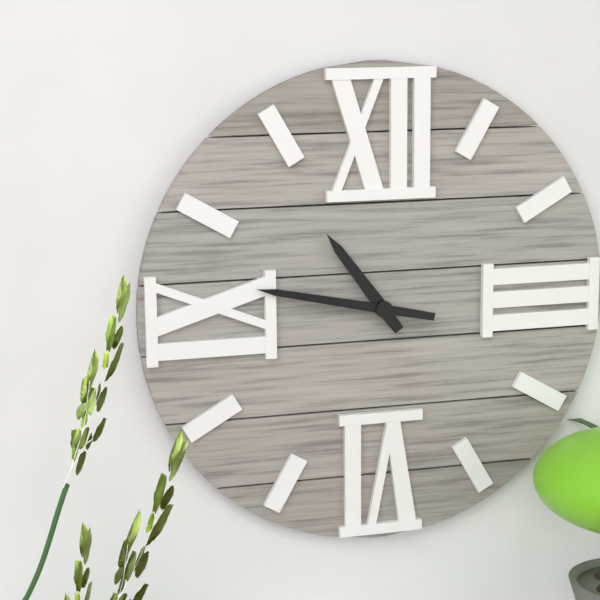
10:47
